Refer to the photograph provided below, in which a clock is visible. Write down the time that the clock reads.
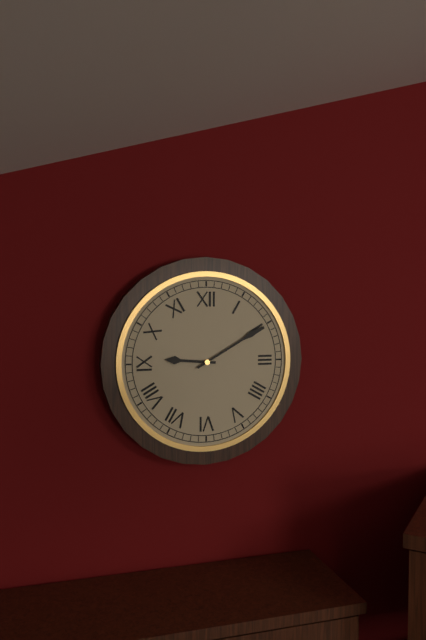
9:10
